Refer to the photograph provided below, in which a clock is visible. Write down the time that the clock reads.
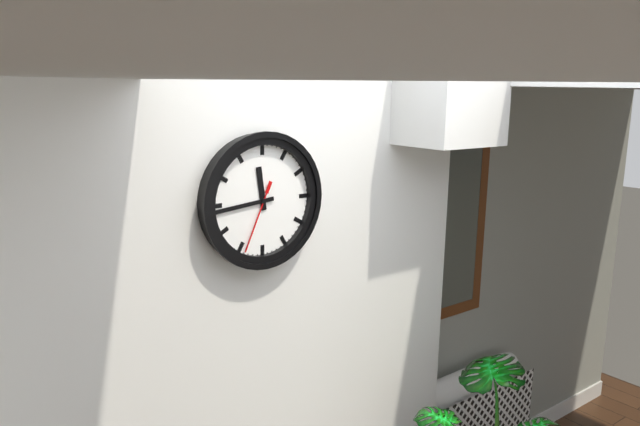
11:44:34
